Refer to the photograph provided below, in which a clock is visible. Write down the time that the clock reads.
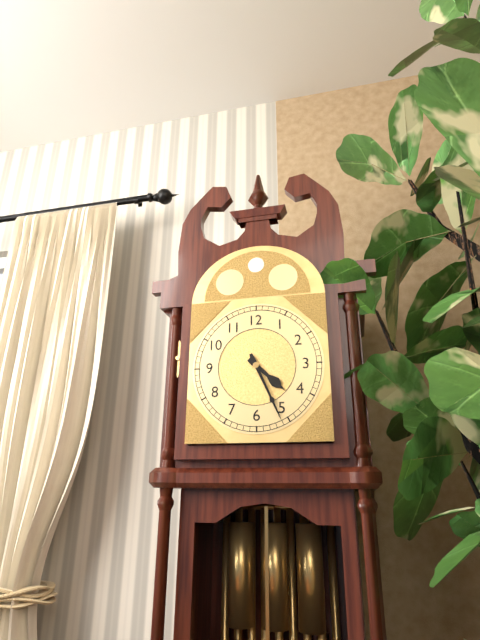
4:26
